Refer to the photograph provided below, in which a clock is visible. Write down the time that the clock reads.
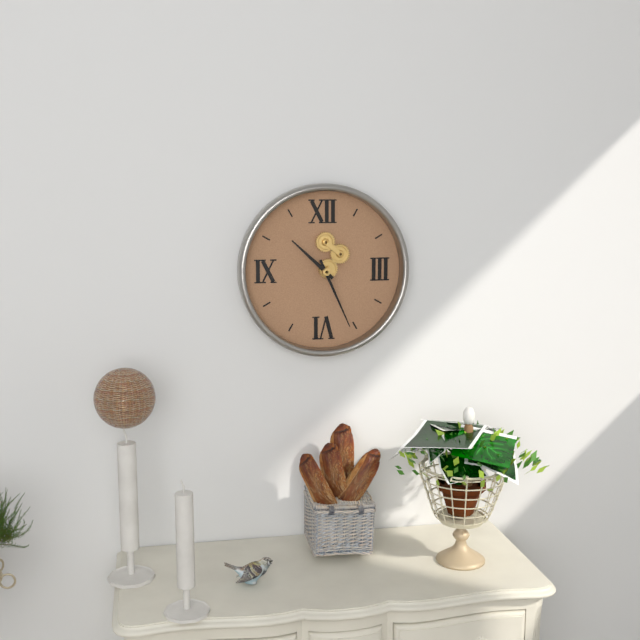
10:26
